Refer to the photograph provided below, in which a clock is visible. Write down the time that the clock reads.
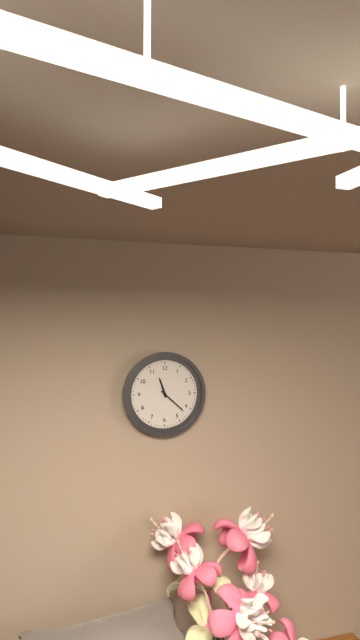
11:22
